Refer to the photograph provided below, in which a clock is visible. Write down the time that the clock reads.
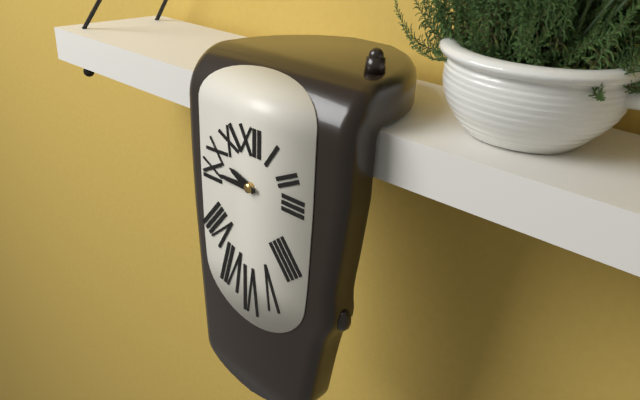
9:45
